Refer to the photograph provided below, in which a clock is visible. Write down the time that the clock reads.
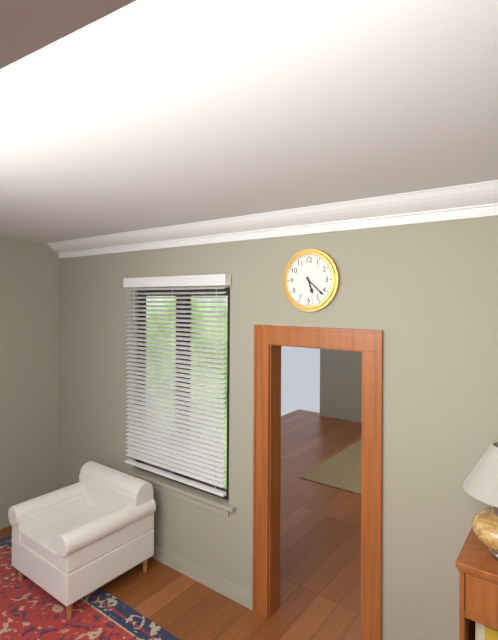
5:22
